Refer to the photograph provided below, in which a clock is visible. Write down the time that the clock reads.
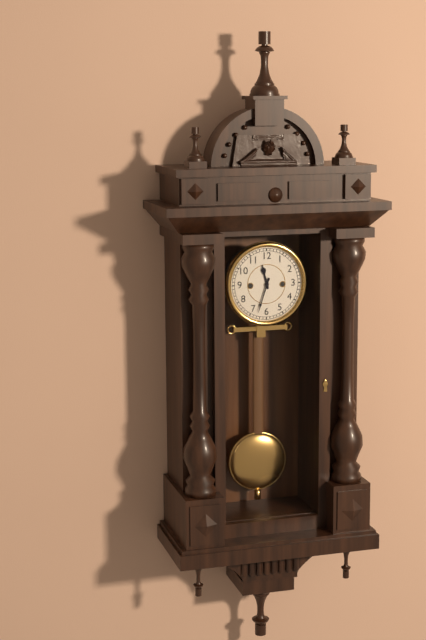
11:33
